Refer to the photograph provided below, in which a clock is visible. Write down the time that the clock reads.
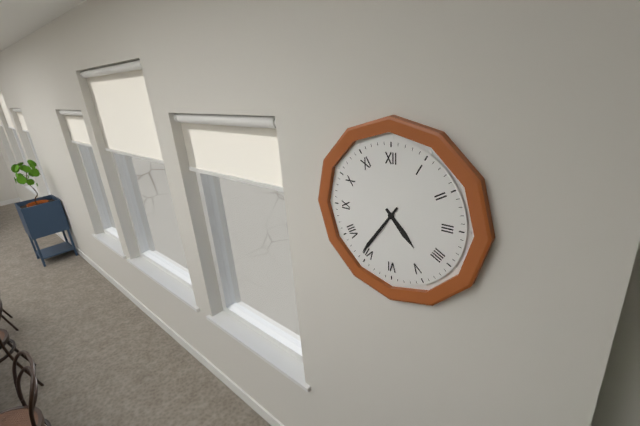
4:36
